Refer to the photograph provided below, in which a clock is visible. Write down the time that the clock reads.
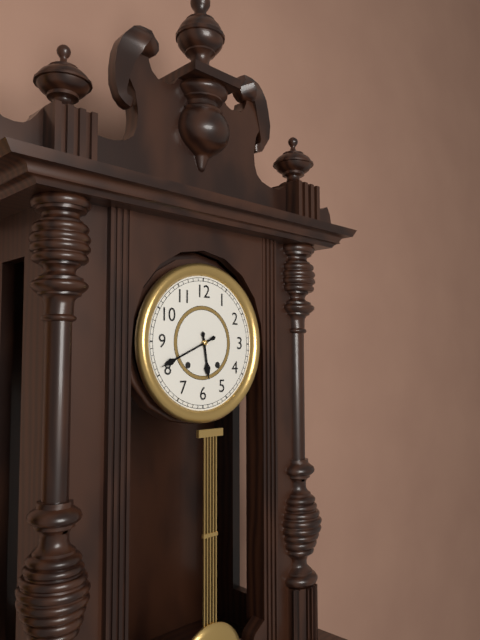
5:41
